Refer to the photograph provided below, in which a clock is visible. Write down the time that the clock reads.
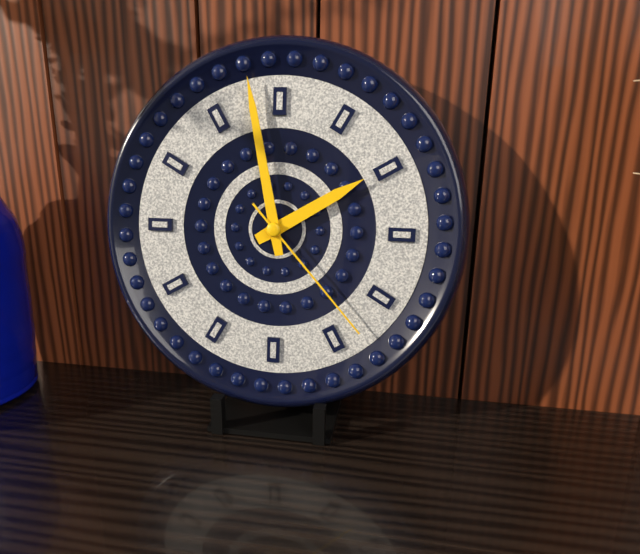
1:58:23
